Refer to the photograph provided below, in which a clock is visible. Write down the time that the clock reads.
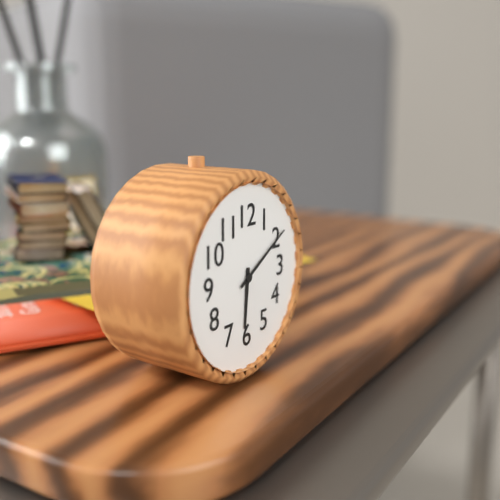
6:10
